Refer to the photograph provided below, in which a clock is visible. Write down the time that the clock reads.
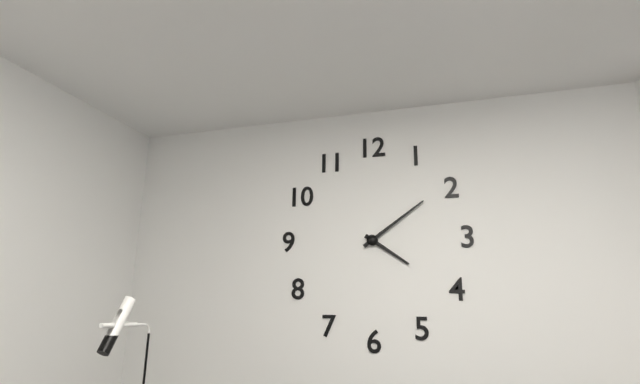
4:09
